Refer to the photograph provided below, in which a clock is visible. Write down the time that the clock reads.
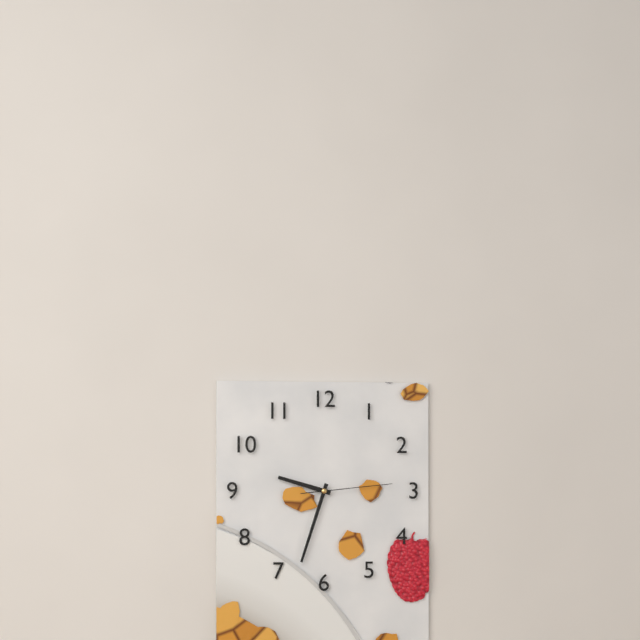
9:33:14
